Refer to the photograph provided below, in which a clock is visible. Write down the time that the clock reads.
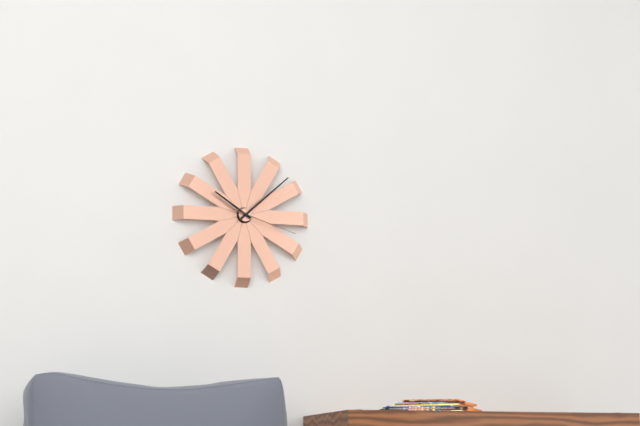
10:08:18
